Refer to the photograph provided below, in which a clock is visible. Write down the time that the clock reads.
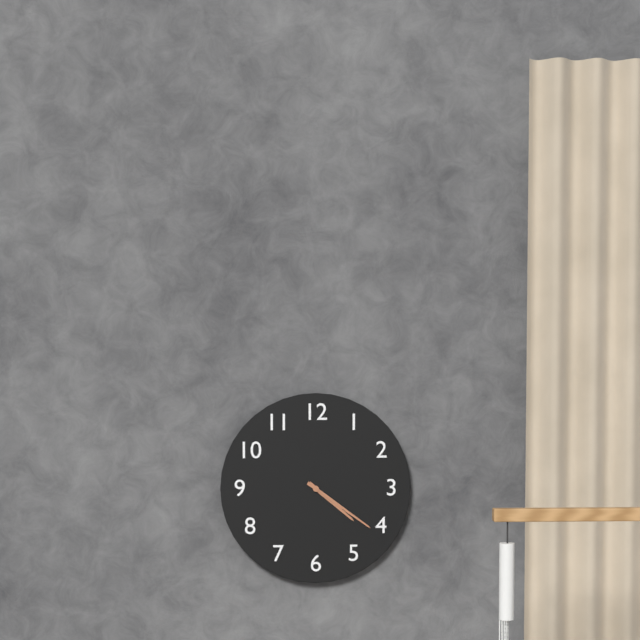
4:21
